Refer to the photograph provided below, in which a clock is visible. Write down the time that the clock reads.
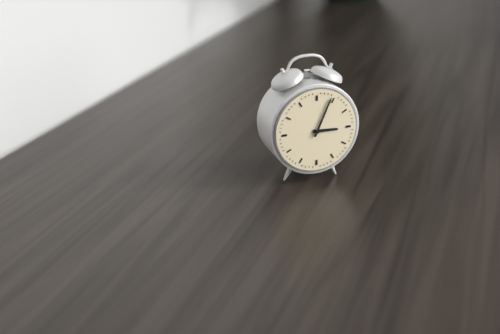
3:04
